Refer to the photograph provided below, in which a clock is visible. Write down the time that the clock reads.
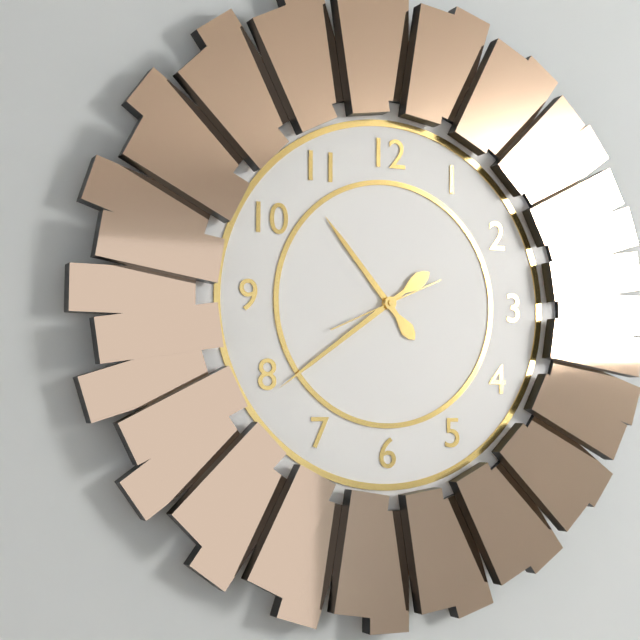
10:39:41
